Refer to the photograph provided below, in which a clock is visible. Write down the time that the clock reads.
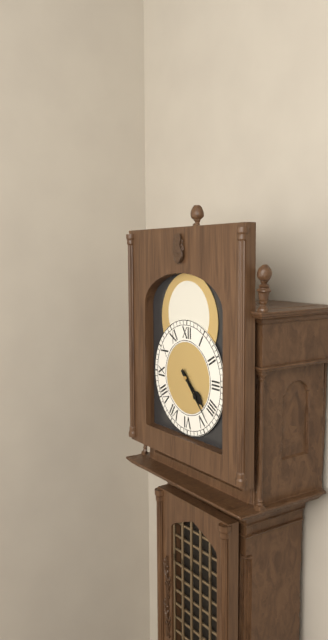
4:23
